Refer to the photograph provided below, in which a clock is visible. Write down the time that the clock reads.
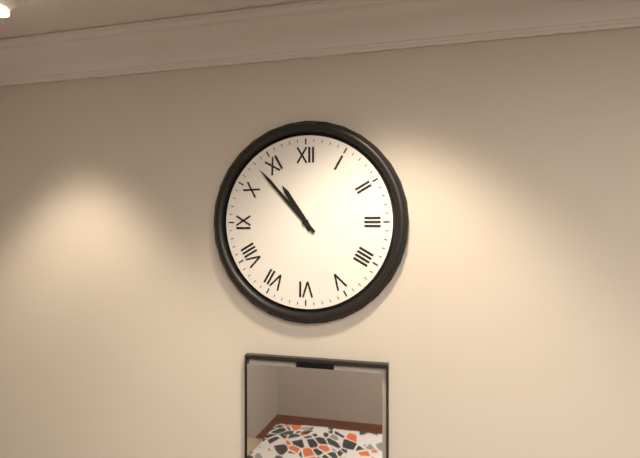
10:53
